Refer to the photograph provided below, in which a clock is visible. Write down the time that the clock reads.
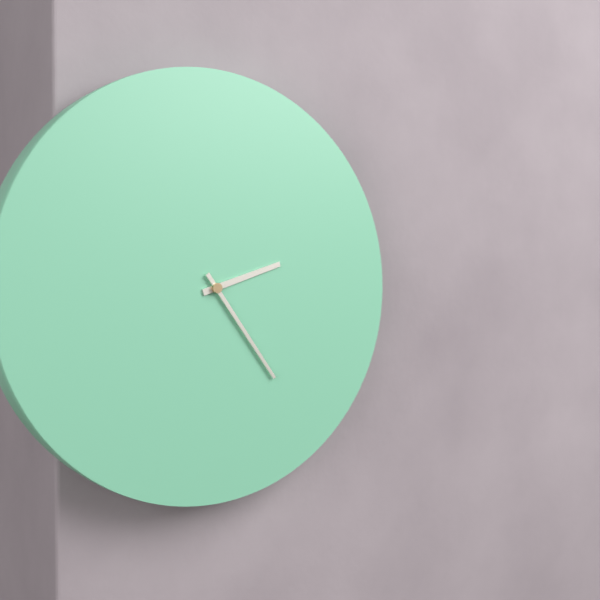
2:24
